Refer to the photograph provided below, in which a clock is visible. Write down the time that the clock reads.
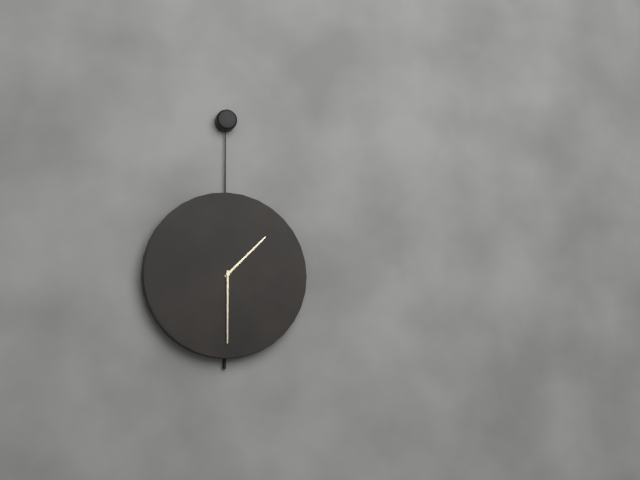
1:30
